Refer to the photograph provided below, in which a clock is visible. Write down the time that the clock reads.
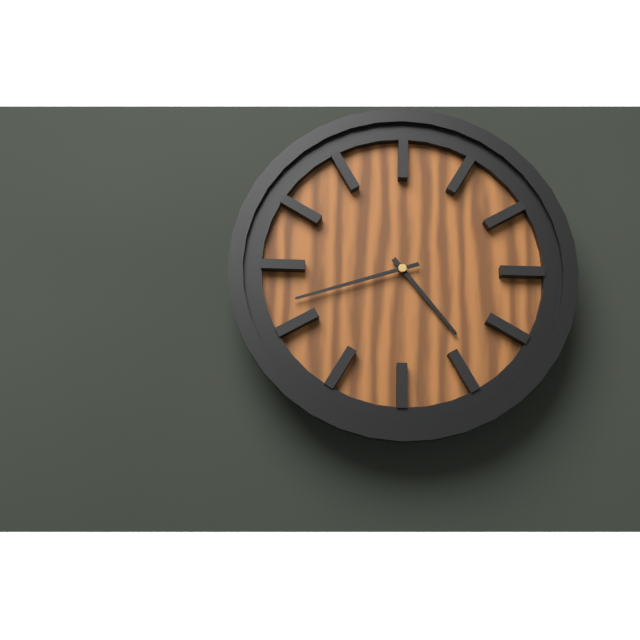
4:42
